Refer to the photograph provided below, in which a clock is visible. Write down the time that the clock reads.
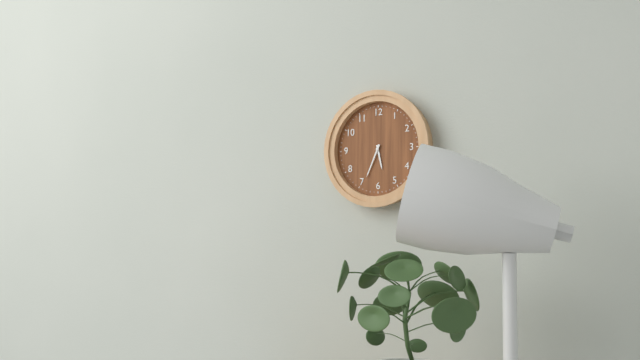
5:34
